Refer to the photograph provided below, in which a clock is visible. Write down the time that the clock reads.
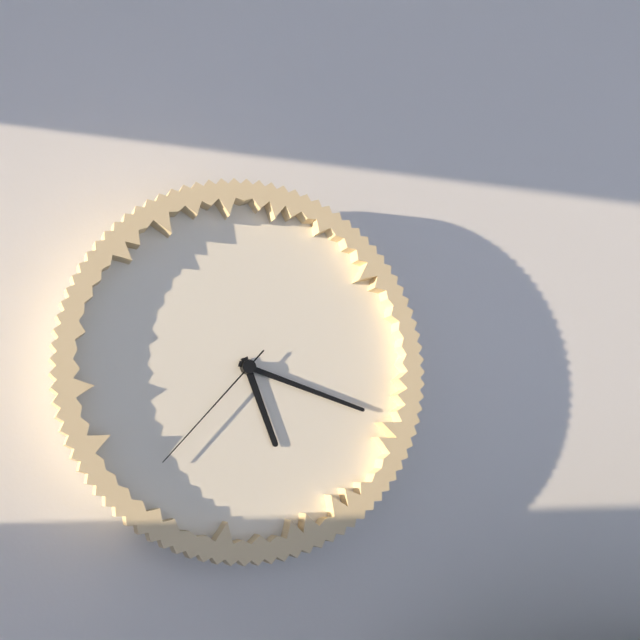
5:18:37
